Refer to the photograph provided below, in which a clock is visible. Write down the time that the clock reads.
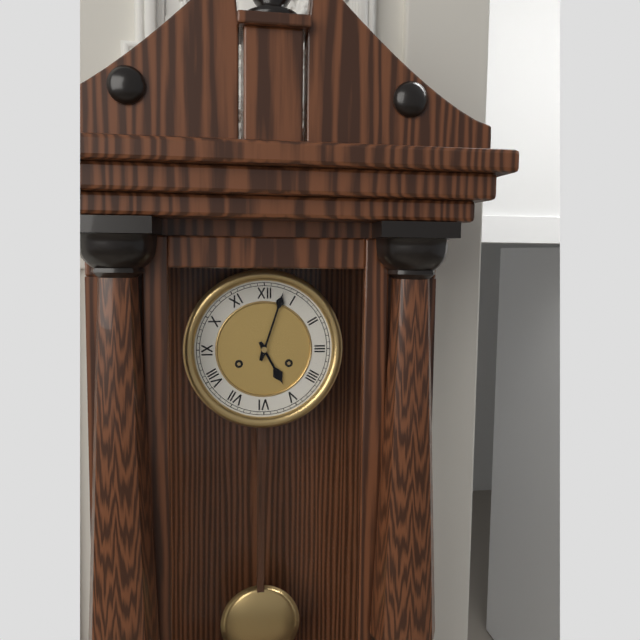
5:03
